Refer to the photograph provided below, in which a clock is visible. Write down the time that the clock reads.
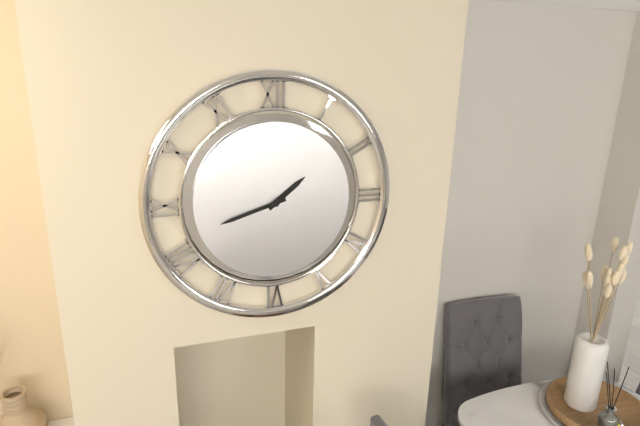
1:42
